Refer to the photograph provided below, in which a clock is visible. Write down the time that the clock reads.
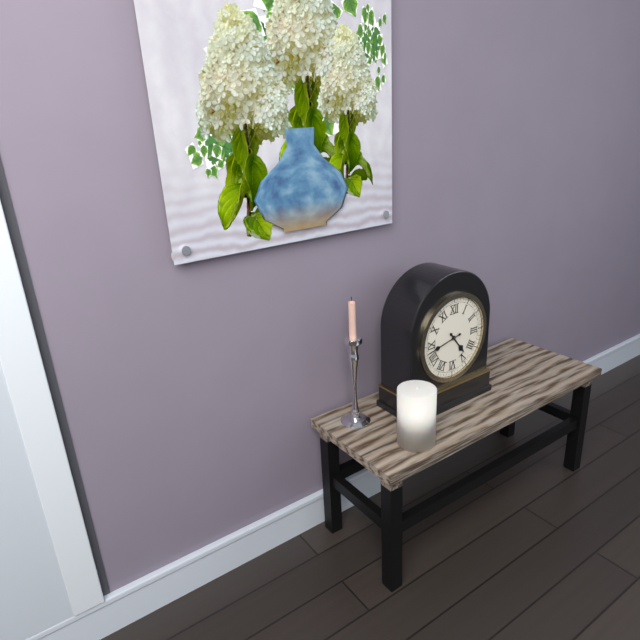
4:43
